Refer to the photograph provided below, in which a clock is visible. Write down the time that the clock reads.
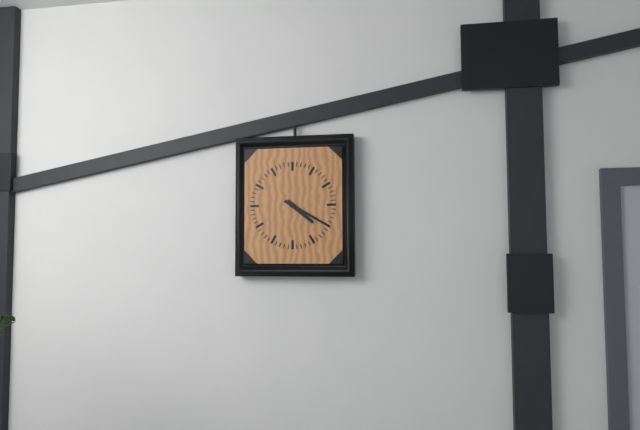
4:20
